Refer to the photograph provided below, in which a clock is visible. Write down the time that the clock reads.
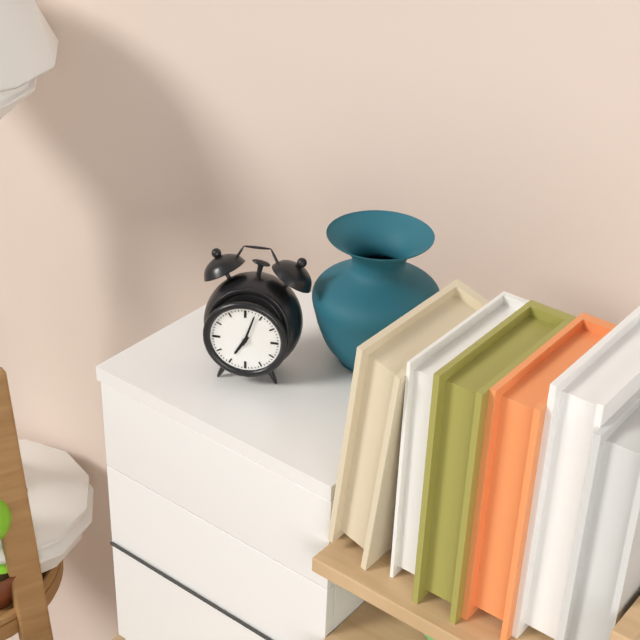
7:03
